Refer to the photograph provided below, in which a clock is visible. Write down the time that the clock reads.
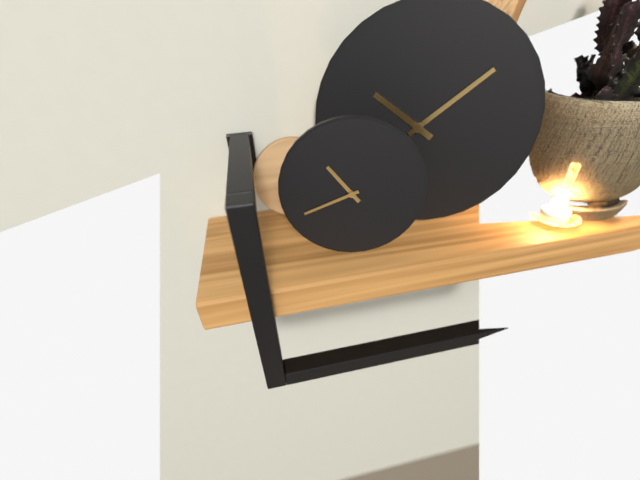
10:41
